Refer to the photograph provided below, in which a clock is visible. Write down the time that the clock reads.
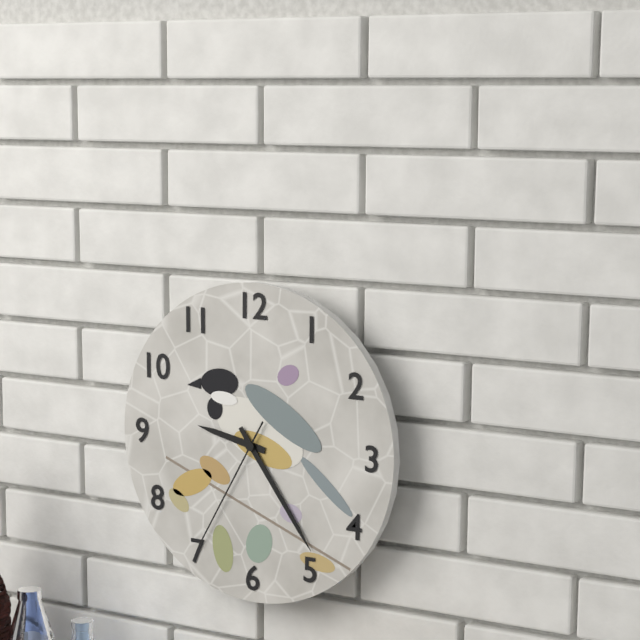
9:24:35
